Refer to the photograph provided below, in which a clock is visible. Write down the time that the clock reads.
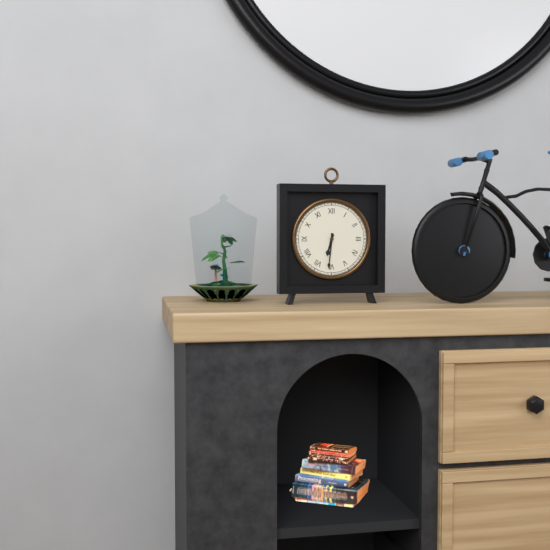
6:31
